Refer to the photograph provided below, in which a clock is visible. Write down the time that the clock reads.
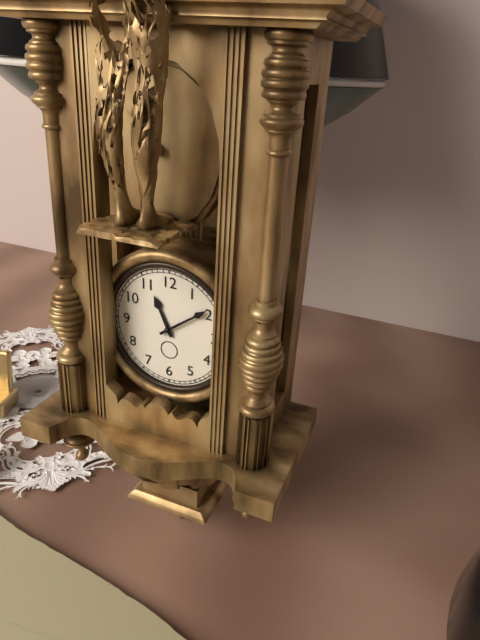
11:09
